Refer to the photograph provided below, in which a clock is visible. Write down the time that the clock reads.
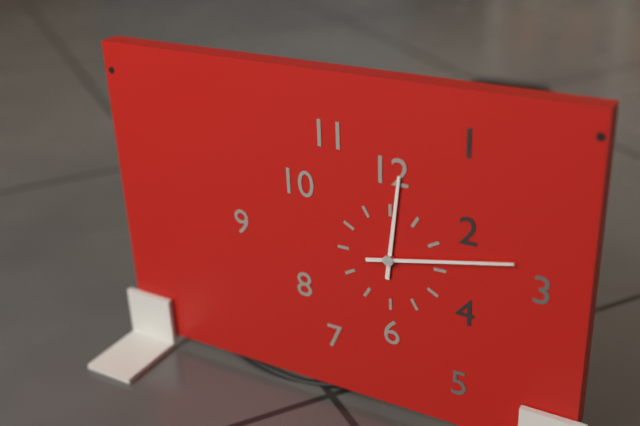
12:13
